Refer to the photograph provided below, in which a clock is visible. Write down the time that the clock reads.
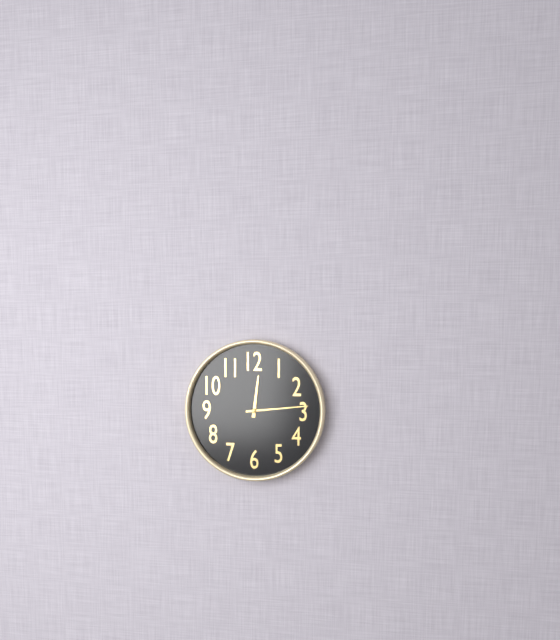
12:14
